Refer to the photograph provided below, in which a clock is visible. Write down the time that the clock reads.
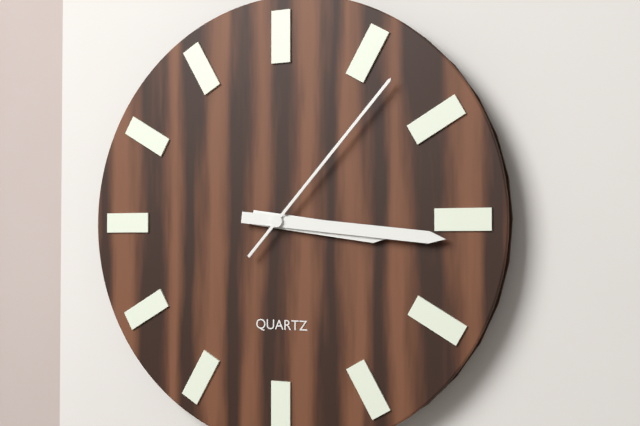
3:16:07
